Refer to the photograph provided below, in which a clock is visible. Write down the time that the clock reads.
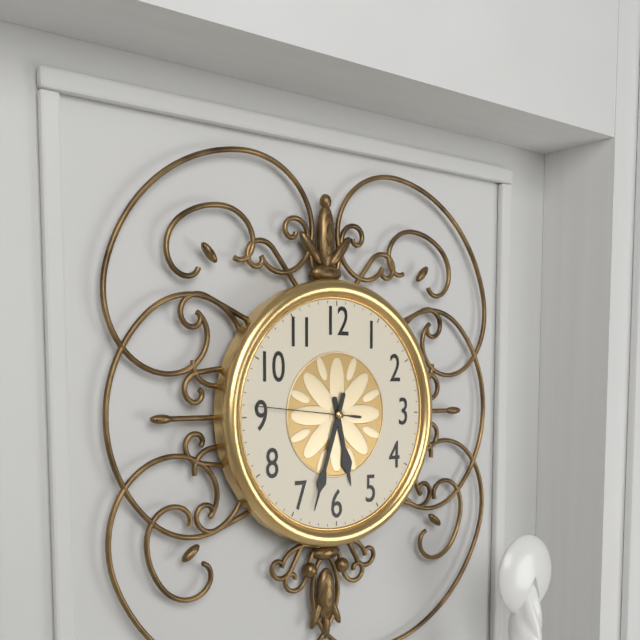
5:33:46
